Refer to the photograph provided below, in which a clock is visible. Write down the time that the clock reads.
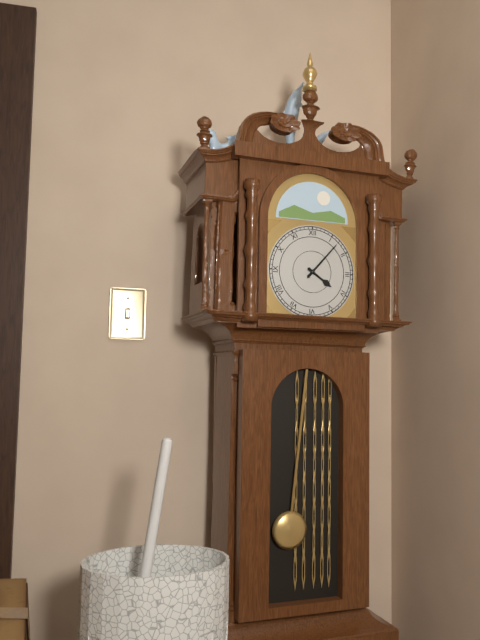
4:07
